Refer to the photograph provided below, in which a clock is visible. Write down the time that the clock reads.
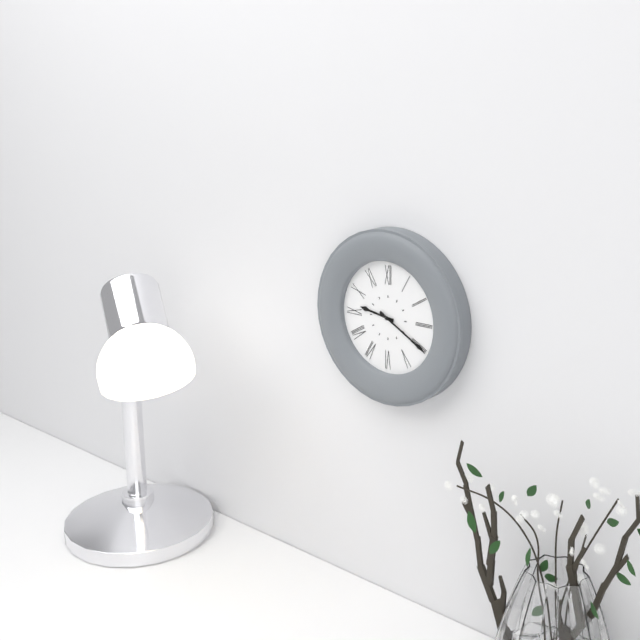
9:20
